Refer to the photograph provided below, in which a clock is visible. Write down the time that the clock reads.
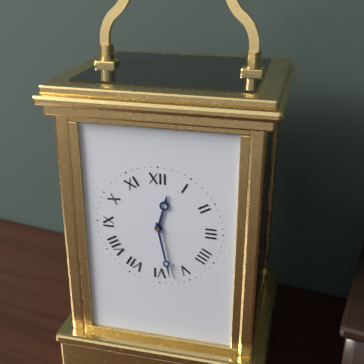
12:28
